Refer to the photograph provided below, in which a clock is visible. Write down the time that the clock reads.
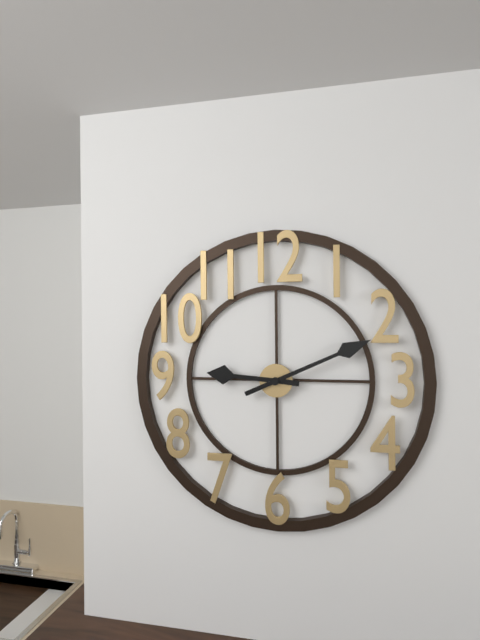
9:11
